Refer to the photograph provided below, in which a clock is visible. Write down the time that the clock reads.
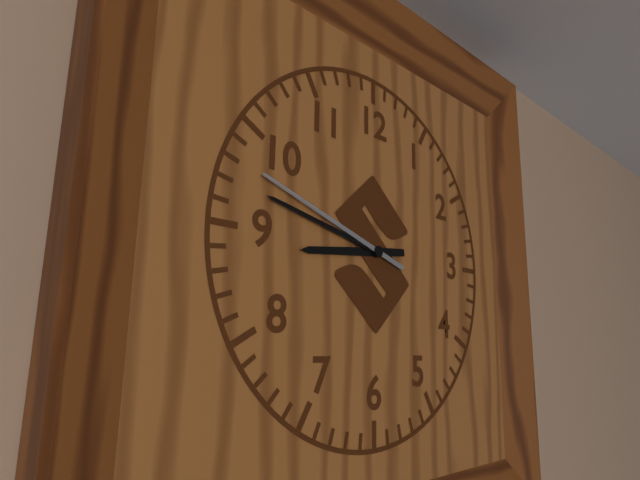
8:47:48
